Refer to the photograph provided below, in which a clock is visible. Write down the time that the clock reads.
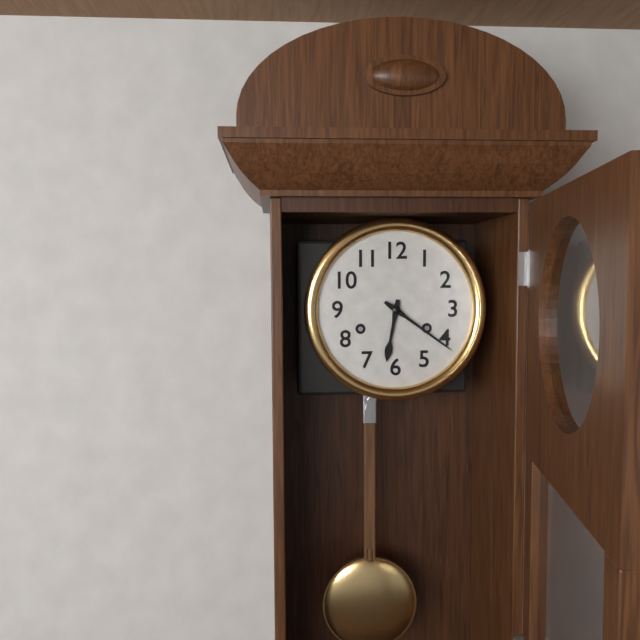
6:21
